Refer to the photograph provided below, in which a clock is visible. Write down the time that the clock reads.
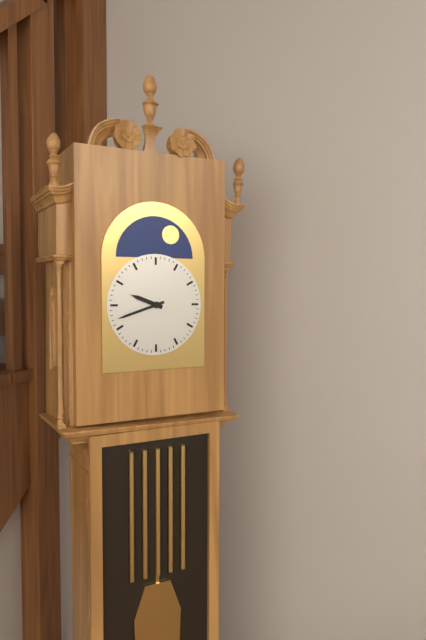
9:42
